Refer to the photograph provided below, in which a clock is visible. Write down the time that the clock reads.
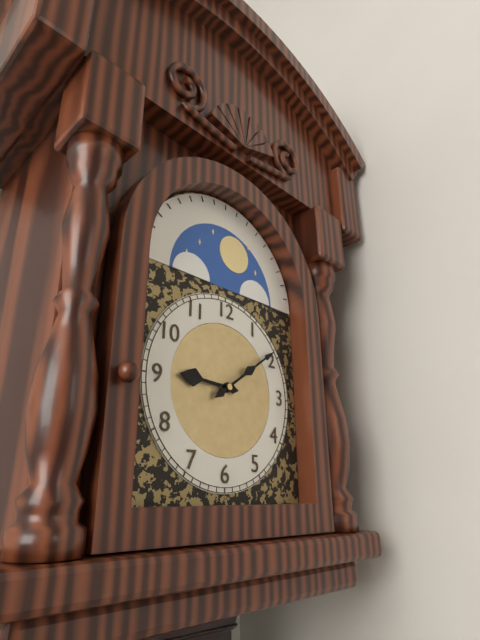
9:09
